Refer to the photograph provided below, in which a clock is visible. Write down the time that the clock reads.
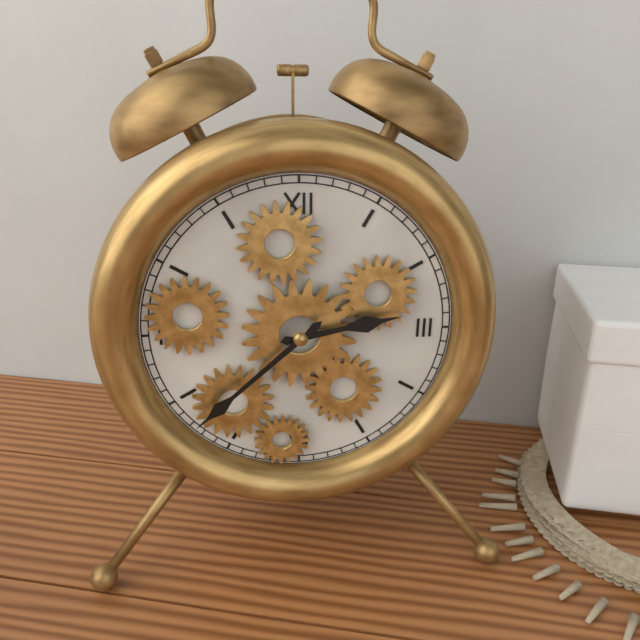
2:38
